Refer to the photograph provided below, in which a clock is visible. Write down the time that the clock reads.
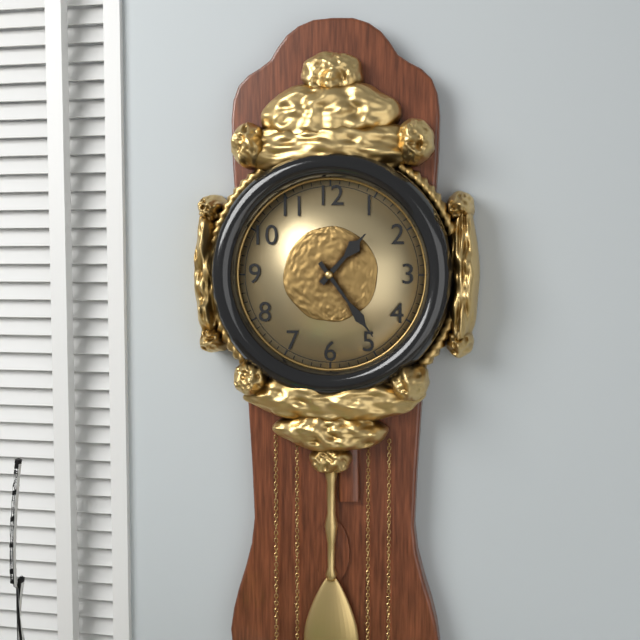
1:24
